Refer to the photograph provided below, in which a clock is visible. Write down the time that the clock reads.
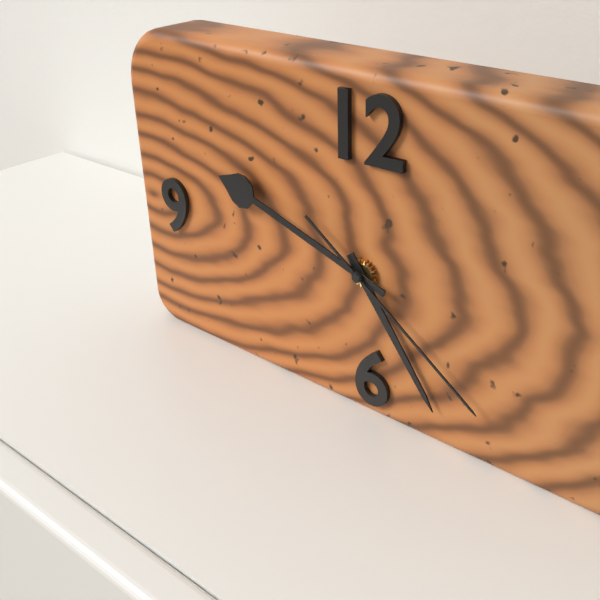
4:48:21
